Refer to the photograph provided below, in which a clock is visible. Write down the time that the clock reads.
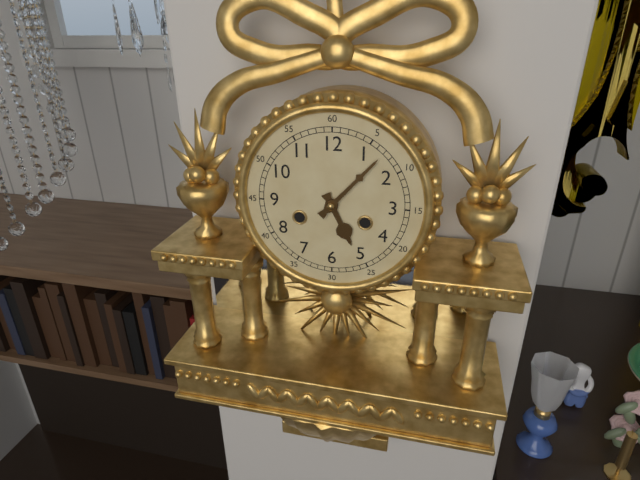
5:07
